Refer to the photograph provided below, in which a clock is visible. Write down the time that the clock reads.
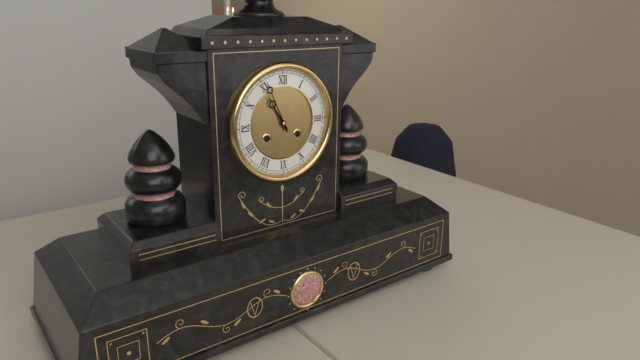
10:56
